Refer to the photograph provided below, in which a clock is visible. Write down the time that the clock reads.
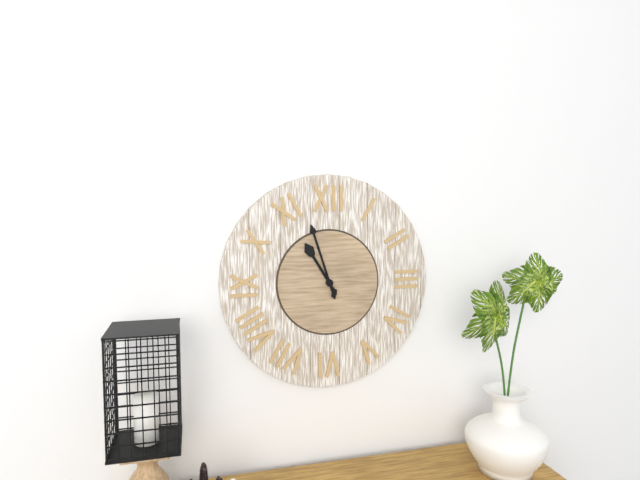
10:57
